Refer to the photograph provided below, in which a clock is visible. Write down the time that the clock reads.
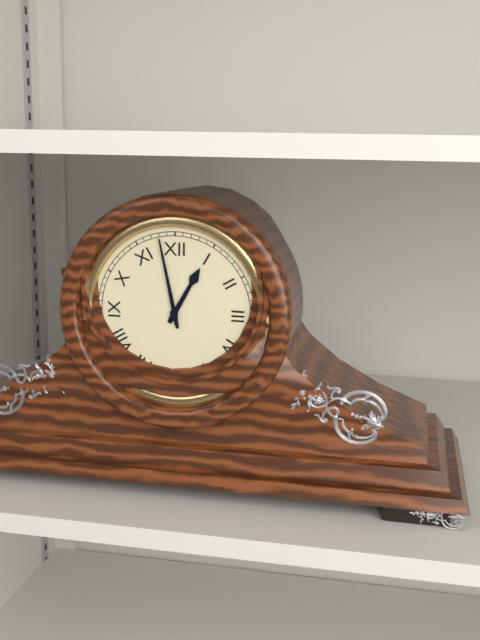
12:58
